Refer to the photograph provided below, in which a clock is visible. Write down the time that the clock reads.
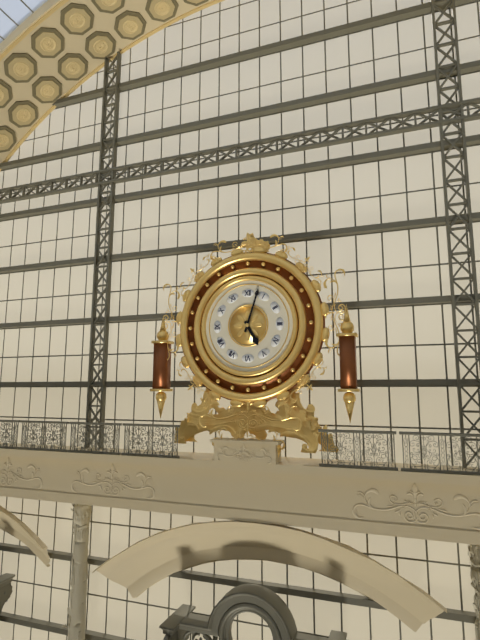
5:03
